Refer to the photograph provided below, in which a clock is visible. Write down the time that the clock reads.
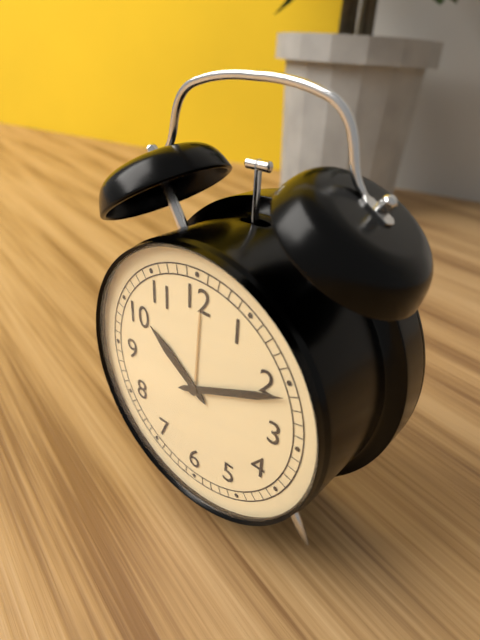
10:11
